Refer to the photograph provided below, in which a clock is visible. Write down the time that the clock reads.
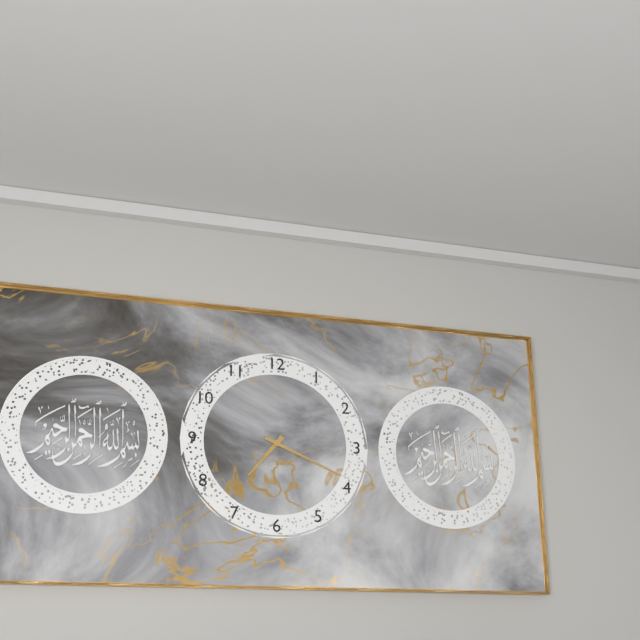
7:19
